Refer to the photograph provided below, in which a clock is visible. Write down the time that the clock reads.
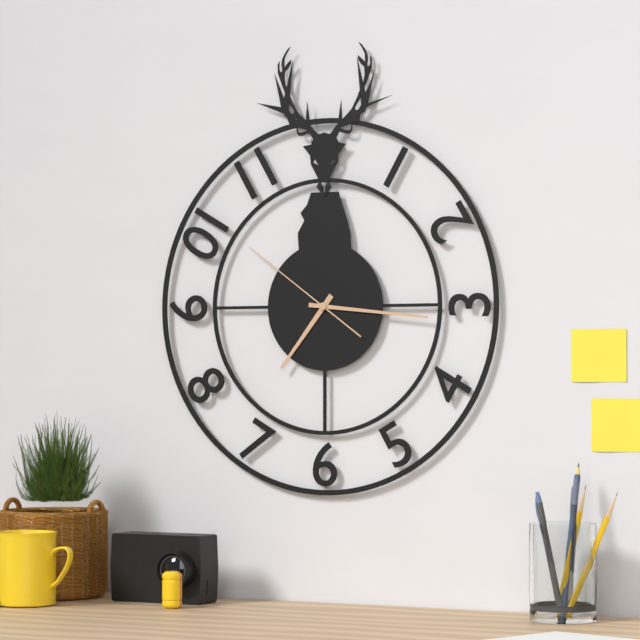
7:16:51
